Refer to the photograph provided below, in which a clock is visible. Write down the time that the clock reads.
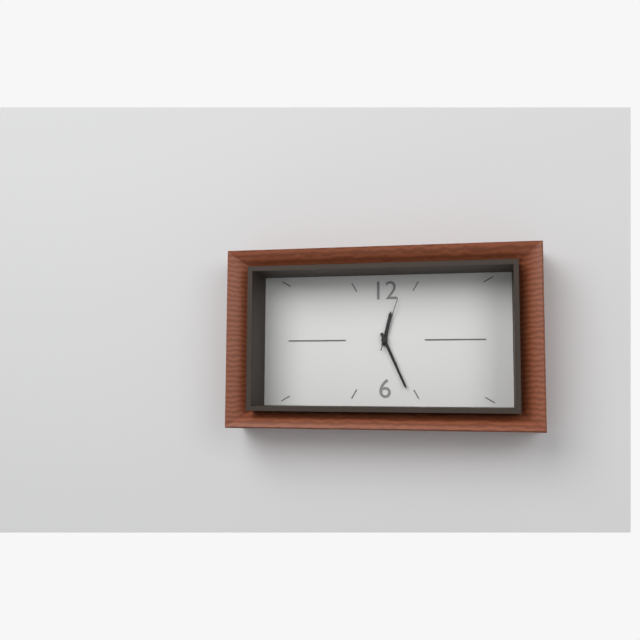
12:26:03
